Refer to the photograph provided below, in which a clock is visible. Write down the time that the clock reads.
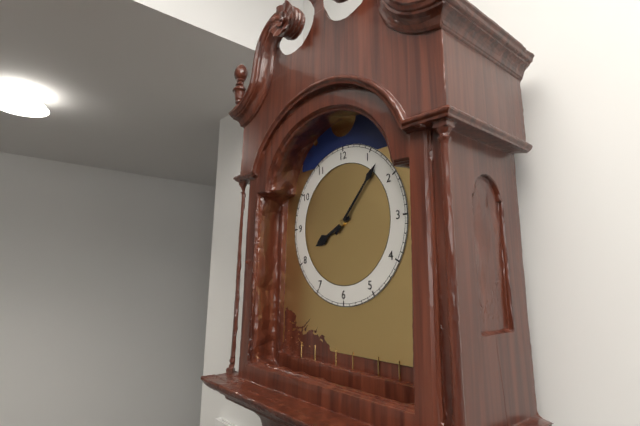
8:07
